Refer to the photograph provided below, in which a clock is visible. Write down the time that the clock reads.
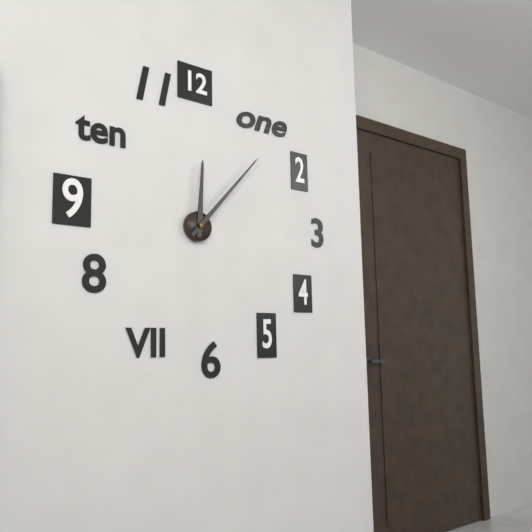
12:07
